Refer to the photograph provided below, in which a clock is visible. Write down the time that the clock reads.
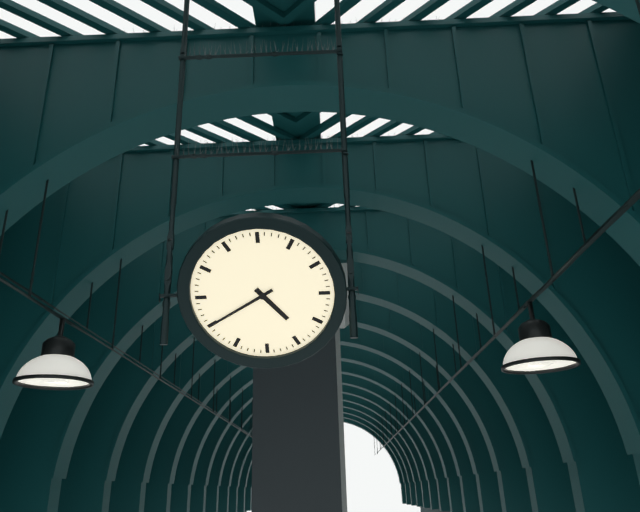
4:40
